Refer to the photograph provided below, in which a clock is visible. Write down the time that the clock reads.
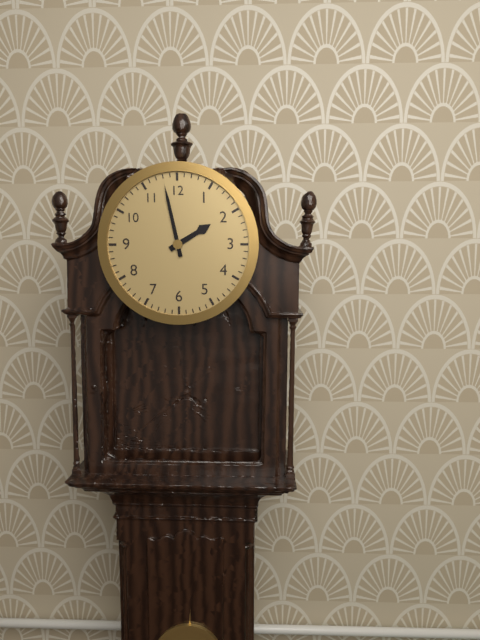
1:58
